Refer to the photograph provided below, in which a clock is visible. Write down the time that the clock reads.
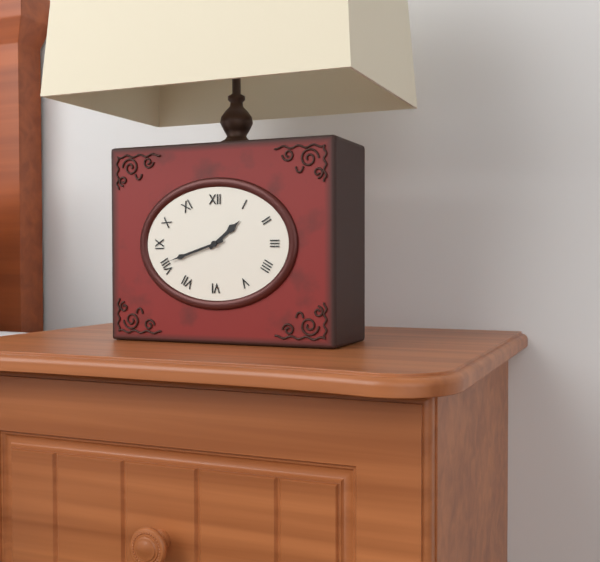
1:42
